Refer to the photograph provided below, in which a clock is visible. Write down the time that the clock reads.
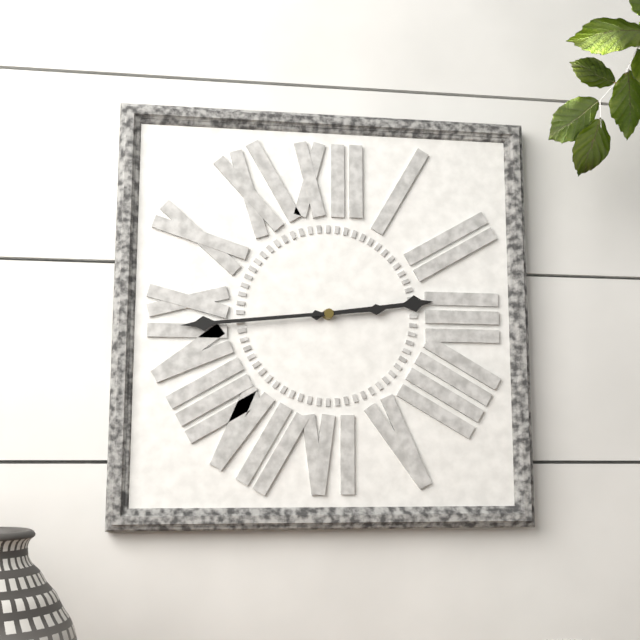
2:44
